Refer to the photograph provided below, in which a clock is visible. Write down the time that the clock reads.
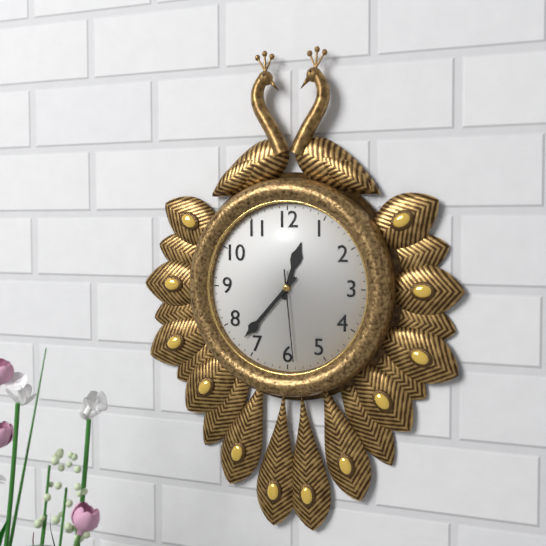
12:37:29
